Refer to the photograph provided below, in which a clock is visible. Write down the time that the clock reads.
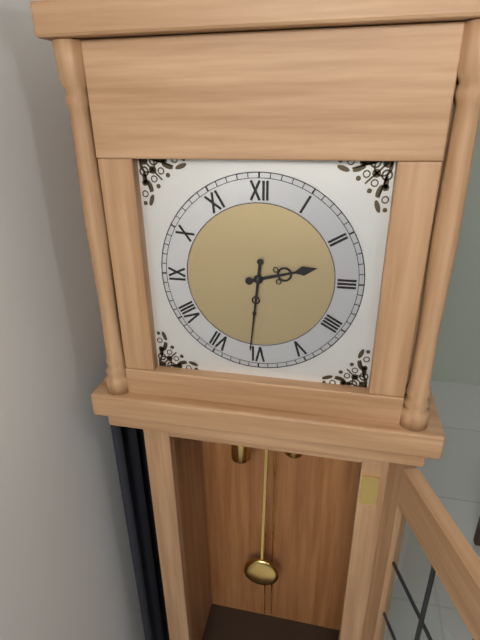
2:31
